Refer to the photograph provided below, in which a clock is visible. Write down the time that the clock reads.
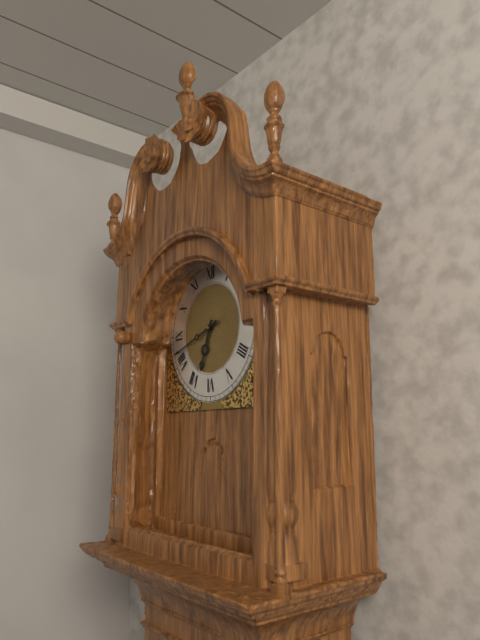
6:42
